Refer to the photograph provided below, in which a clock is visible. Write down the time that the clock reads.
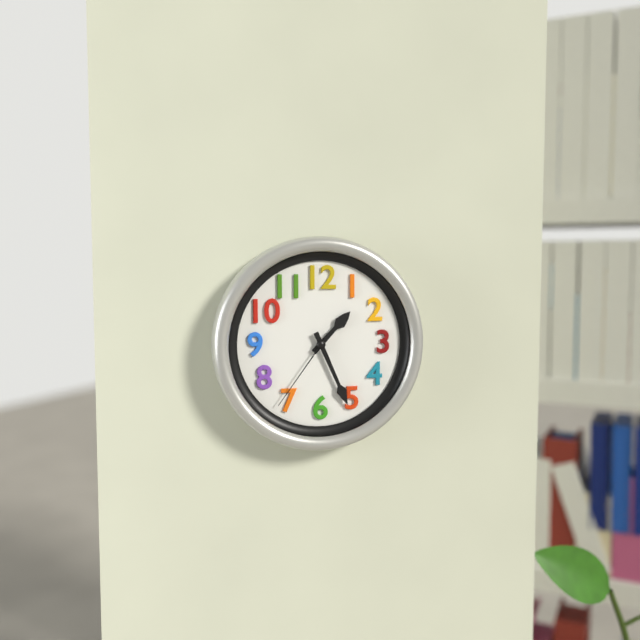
1:26:36
